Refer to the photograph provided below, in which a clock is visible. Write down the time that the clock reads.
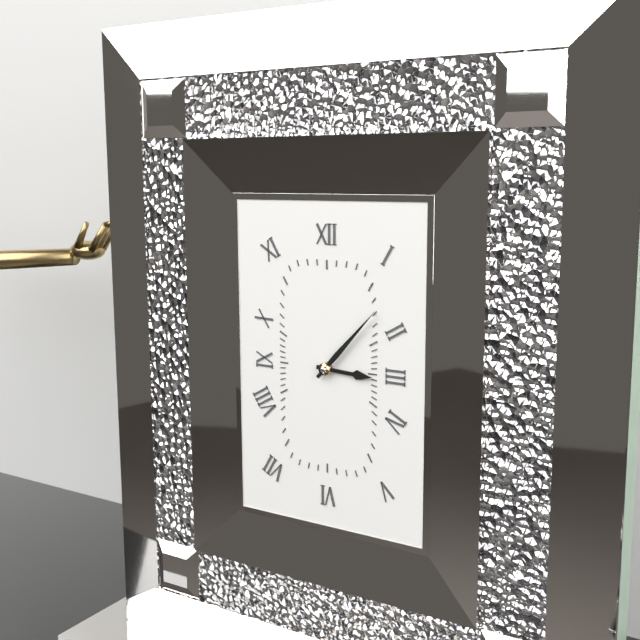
3:07
